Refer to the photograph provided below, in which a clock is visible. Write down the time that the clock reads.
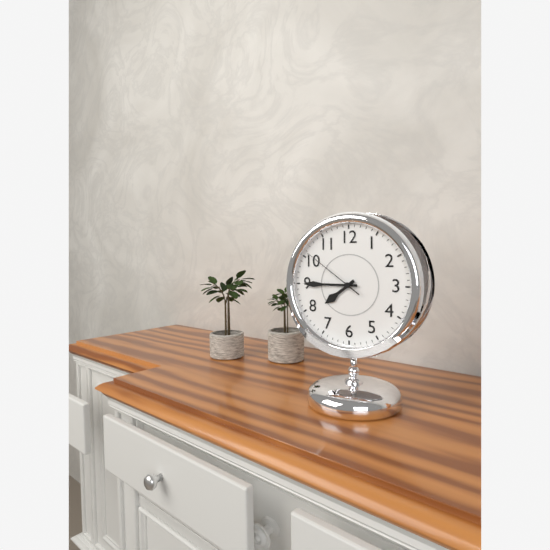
7:45:51
